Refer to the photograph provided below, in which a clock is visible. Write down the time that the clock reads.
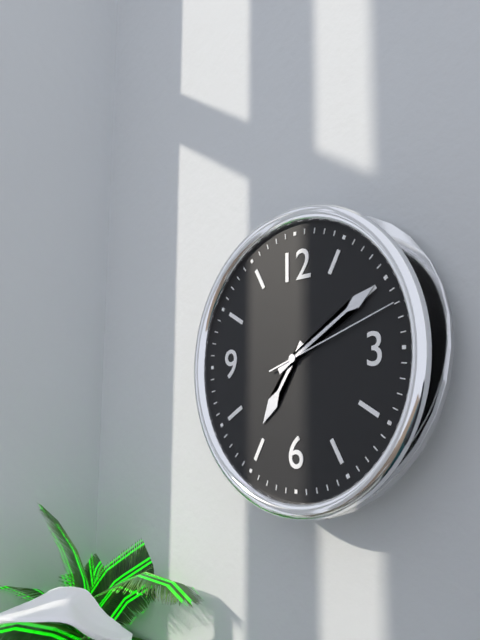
7:10:12
